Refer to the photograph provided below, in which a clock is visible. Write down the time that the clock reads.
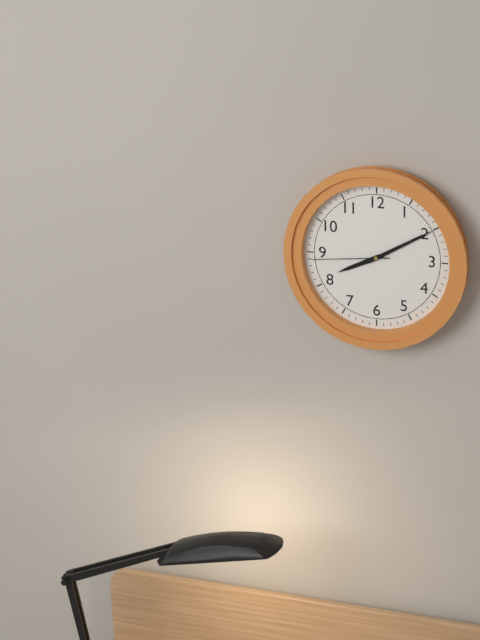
8:10:44
